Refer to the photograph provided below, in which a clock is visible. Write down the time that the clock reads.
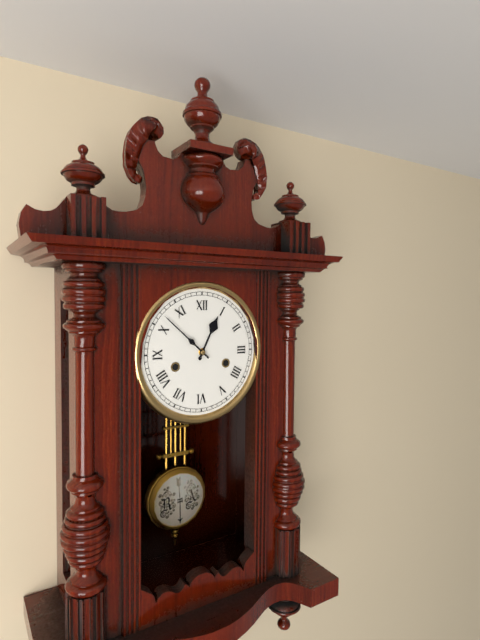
12:52
